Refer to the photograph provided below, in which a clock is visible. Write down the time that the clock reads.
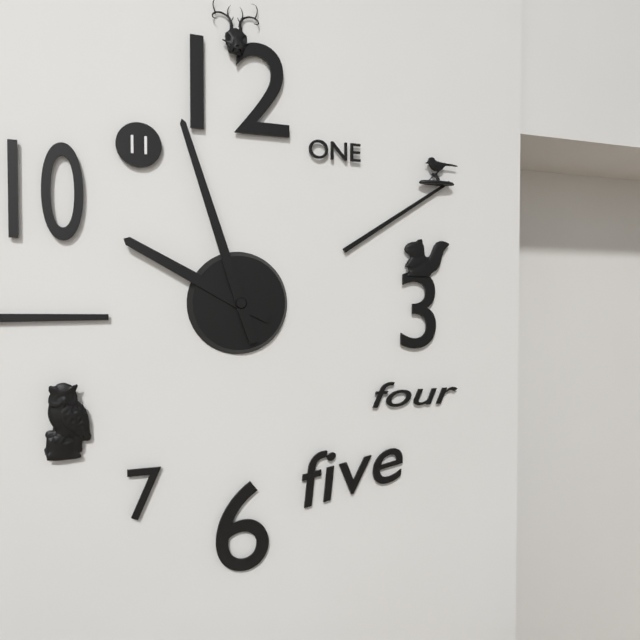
9:57
